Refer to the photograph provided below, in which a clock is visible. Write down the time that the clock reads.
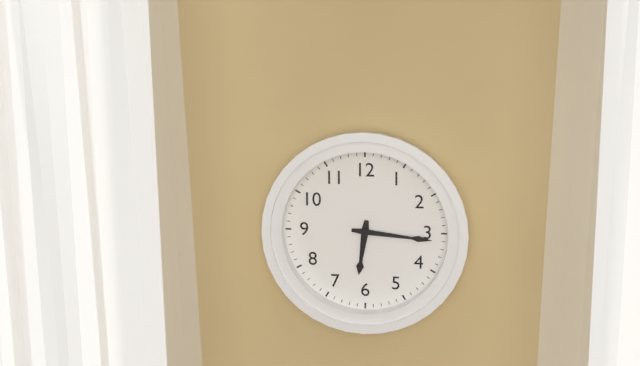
6:16
